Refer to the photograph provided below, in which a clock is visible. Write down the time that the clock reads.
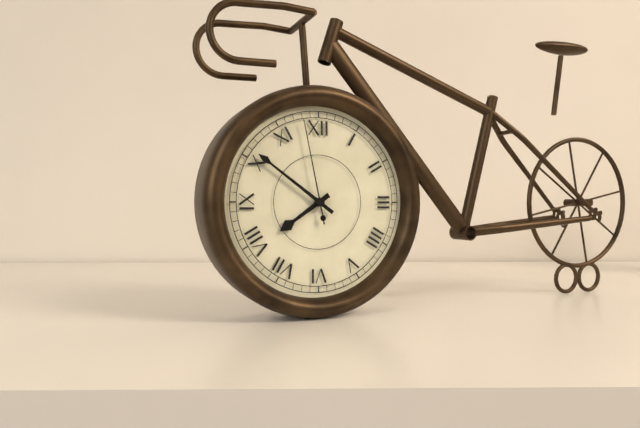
7:51:58
